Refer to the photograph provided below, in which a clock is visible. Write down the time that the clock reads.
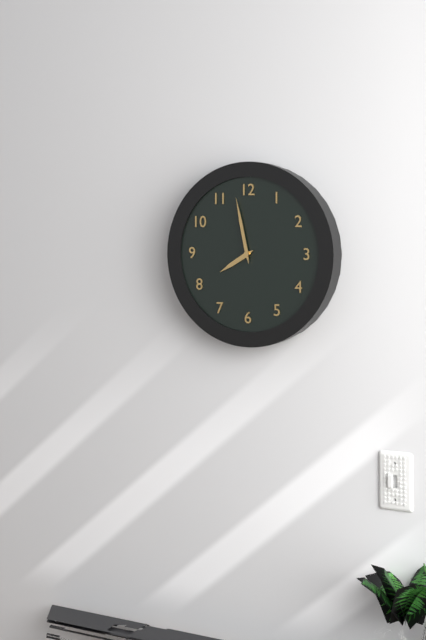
7:58
